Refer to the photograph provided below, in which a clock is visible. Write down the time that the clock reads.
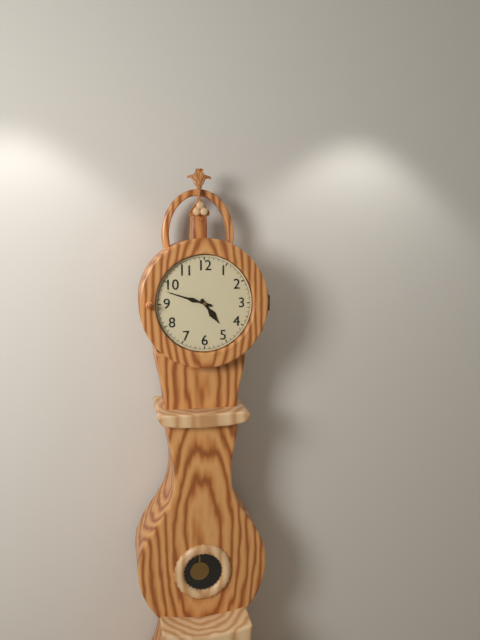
4:48
